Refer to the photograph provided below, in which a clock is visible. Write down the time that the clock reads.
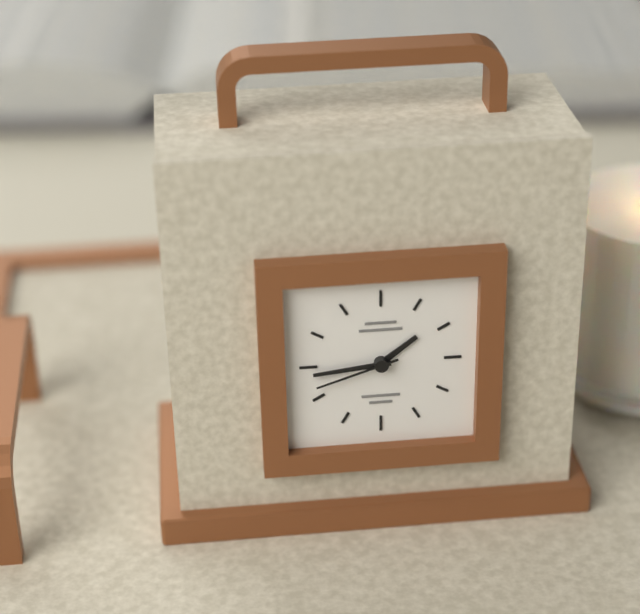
1:44:42
